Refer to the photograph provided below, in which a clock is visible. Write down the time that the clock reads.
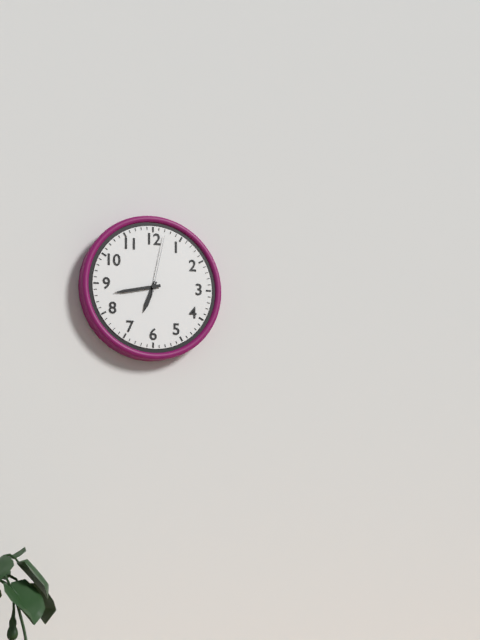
6:43:02
